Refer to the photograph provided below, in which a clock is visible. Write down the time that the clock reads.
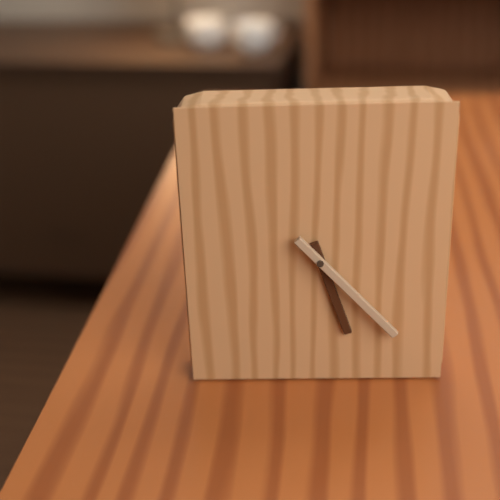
5:23
